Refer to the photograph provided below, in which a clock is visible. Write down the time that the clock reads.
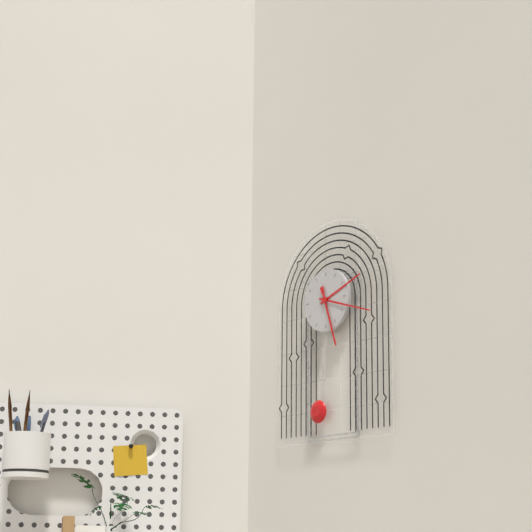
2:18:27
